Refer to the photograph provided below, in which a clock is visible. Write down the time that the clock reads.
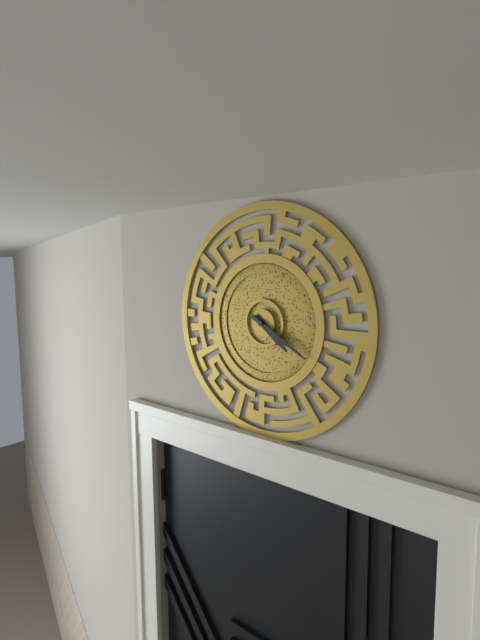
4:20
